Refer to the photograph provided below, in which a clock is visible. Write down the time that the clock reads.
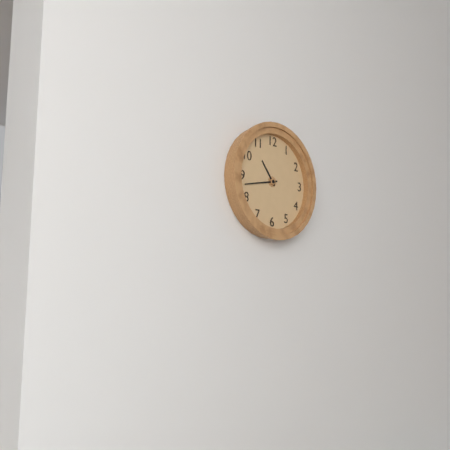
10:43
